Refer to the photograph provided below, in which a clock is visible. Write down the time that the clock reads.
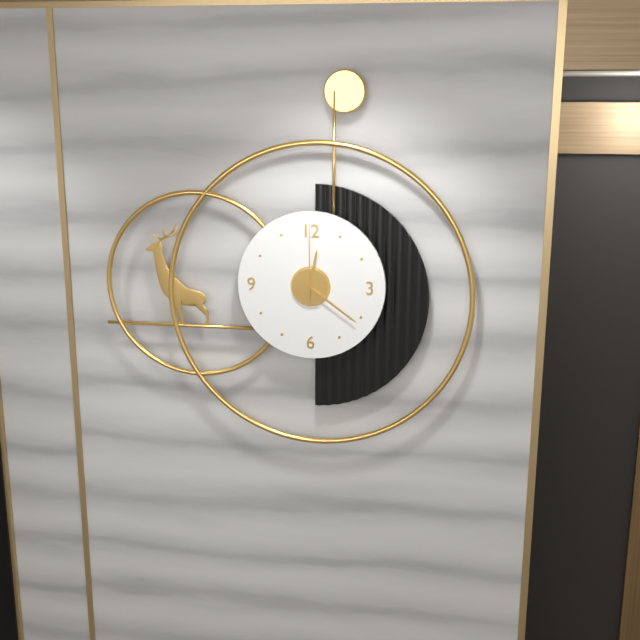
12:21:00
